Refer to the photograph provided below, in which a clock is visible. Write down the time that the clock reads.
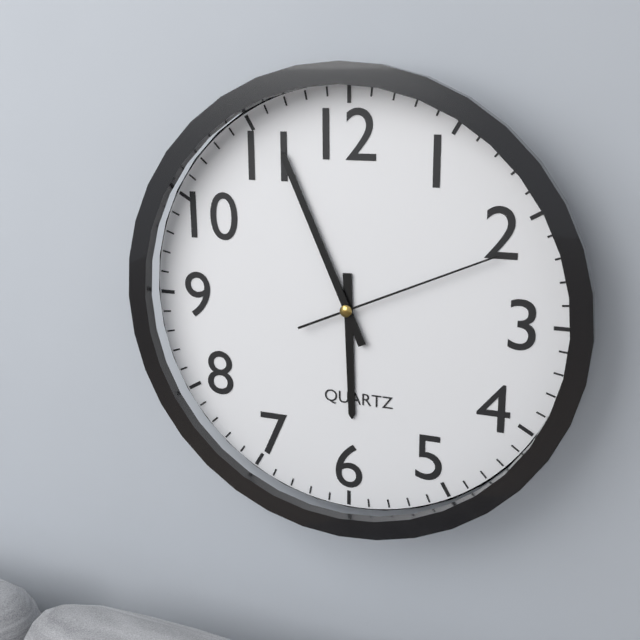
5:56:11
